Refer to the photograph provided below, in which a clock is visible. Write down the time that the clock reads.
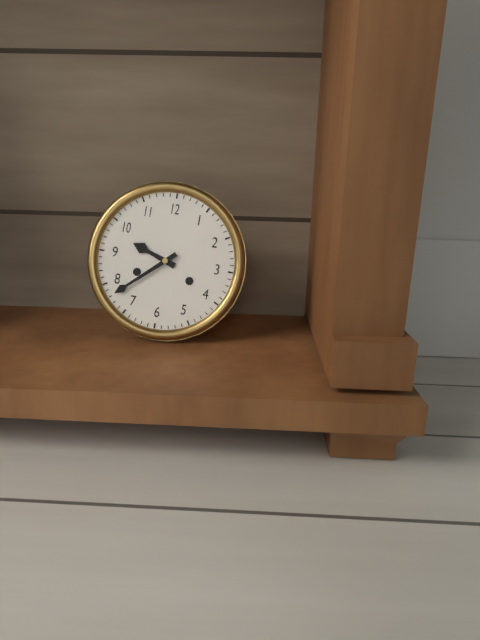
9:38
